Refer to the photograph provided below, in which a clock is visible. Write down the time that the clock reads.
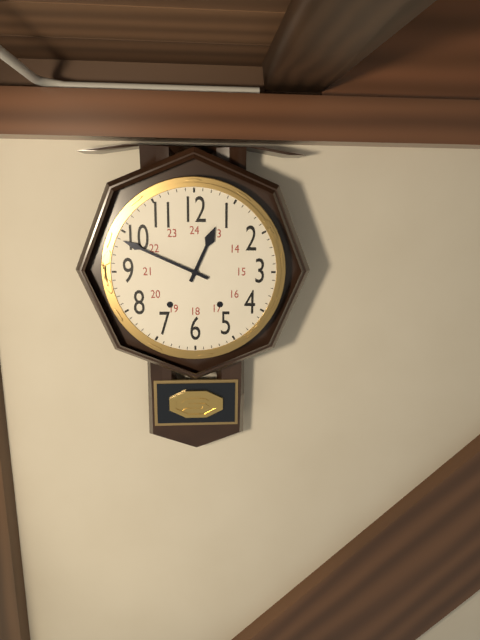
12:49
